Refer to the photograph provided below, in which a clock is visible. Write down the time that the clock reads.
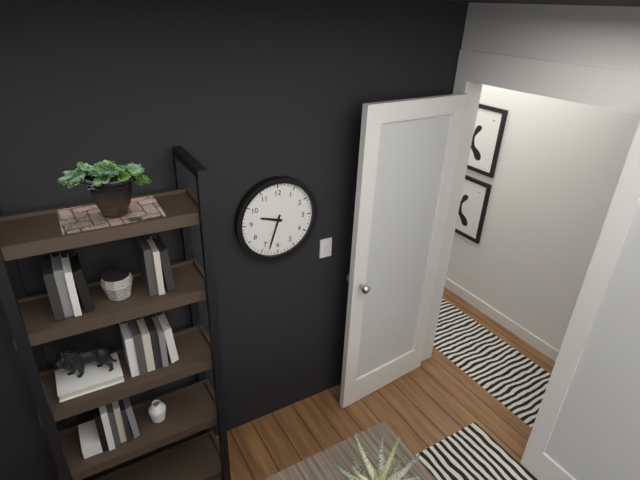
9:33
